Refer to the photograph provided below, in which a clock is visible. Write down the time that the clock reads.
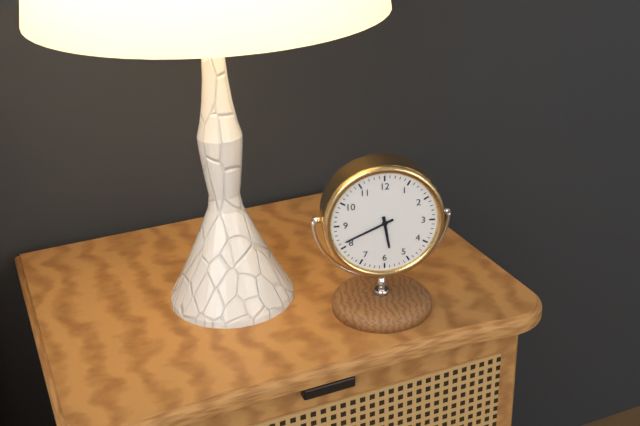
5:41
